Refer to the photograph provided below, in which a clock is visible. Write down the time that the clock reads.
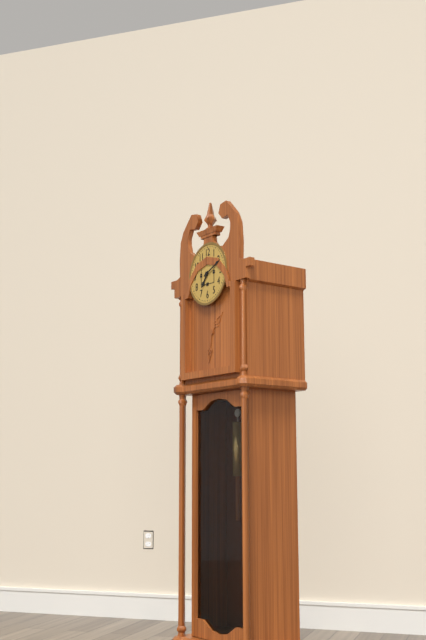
7:11
